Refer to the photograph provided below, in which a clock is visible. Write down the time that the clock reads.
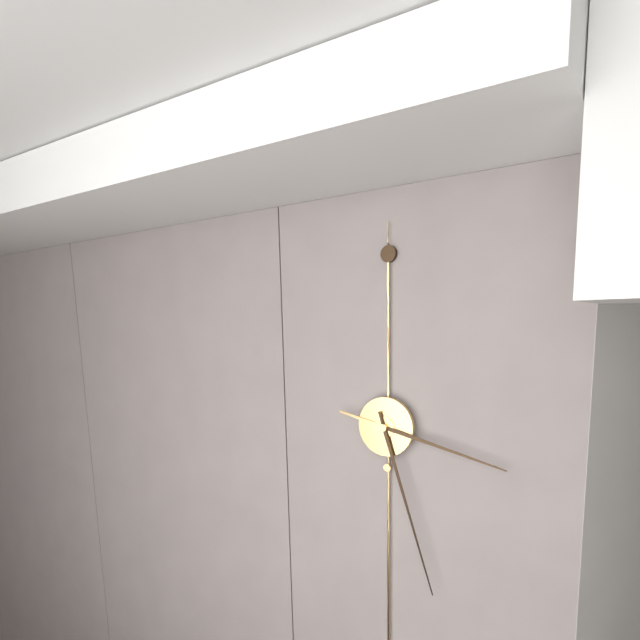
3:27
